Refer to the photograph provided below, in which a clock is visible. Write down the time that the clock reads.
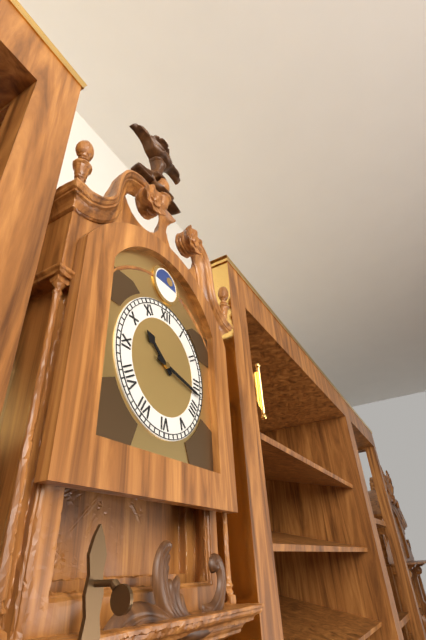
10:17
